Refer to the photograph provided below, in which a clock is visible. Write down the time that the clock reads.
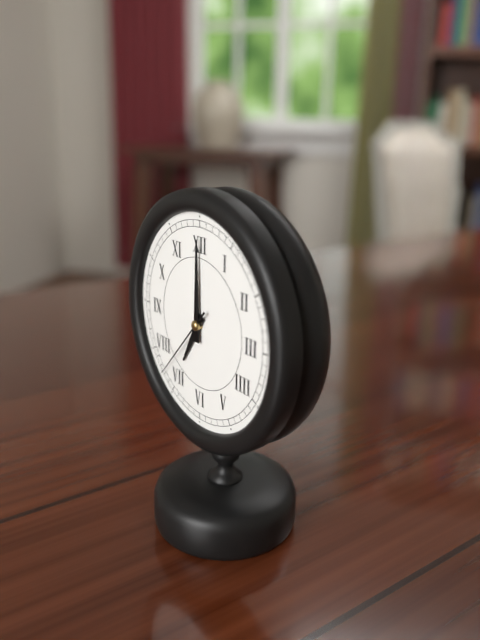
7:00:37
